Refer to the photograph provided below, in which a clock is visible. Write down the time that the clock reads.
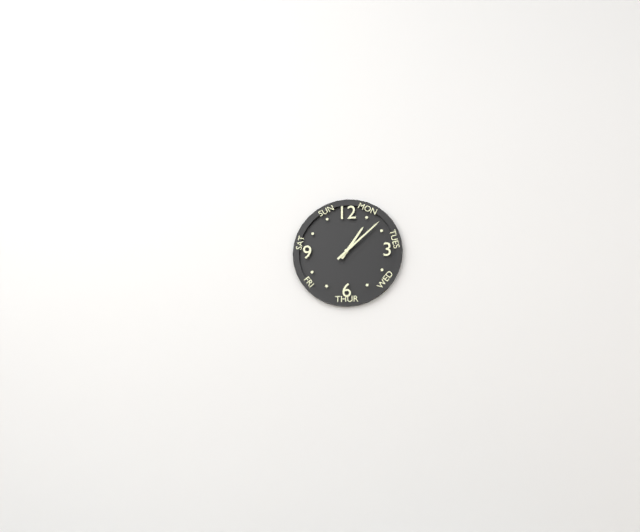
1:08
